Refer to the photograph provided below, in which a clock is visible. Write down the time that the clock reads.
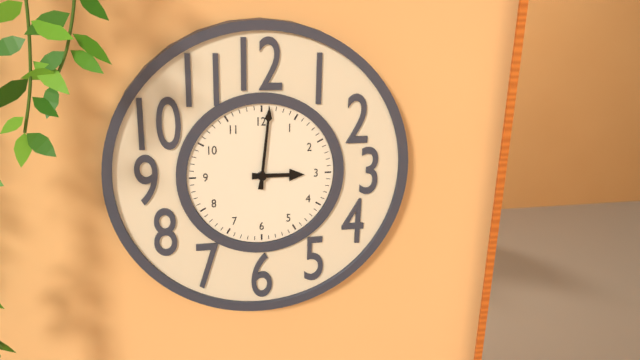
3:01
